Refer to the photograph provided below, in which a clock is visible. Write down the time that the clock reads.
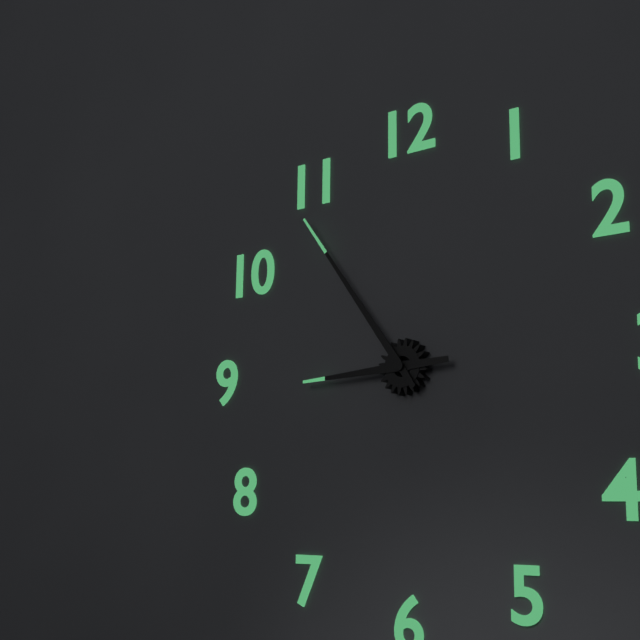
8:54
